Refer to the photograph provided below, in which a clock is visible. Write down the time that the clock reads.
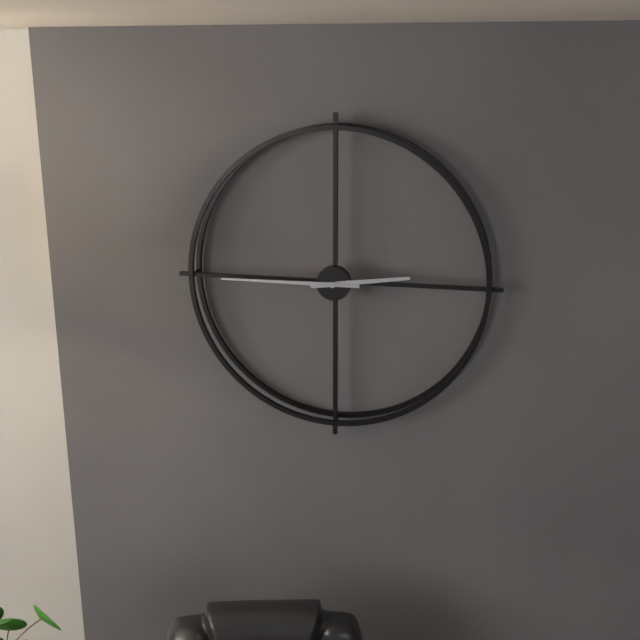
2:45
